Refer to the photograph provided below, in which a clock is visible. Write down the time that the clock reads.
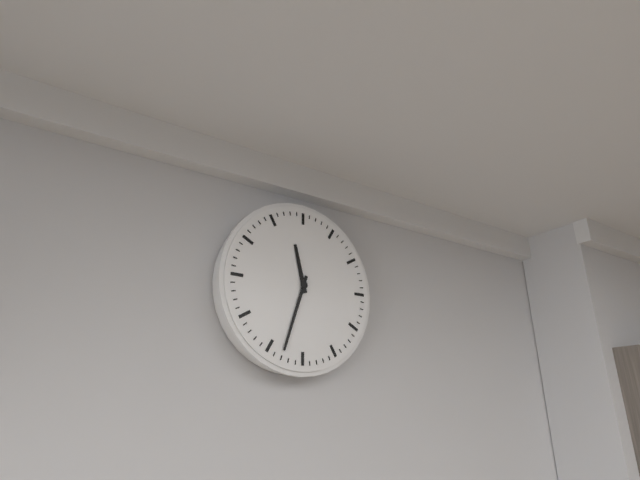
11:33
